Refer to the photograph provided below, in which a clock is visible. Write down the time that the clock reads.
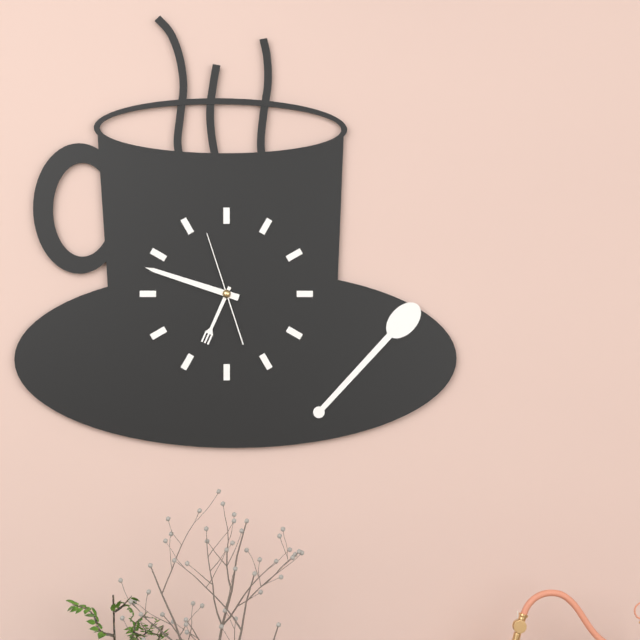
6:48:57
